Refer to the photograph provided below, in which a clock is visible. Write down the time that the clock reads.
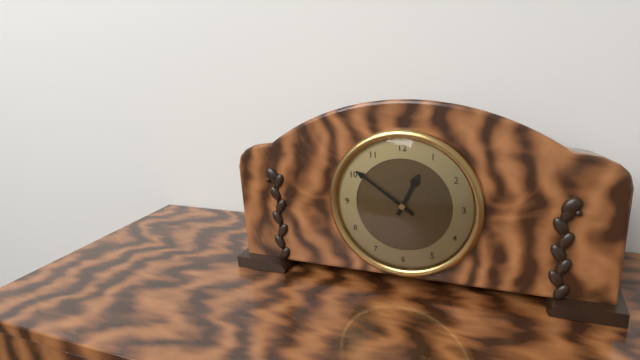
12:51
